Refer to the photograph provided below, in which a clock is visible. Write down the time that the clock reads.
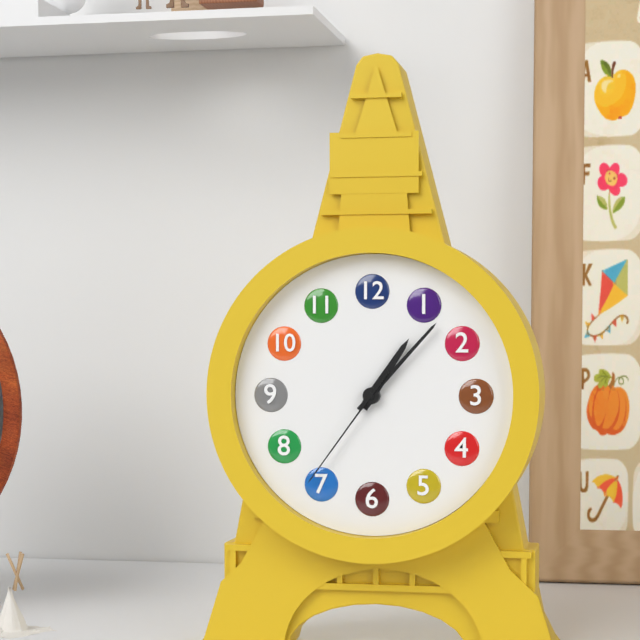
1:07:36
